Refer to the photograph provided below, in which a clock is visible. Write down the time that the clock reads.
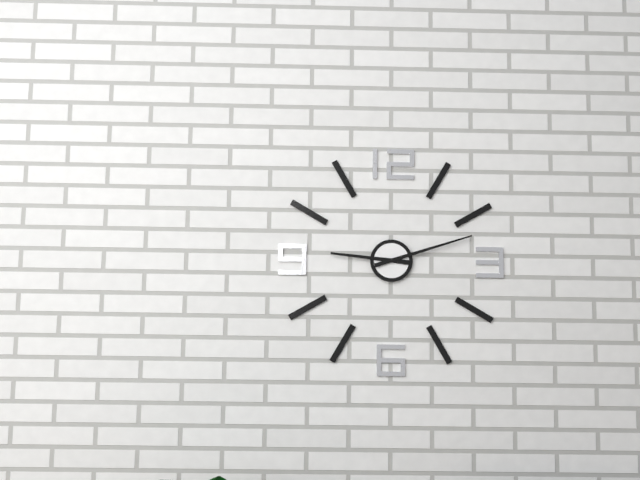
9:12
